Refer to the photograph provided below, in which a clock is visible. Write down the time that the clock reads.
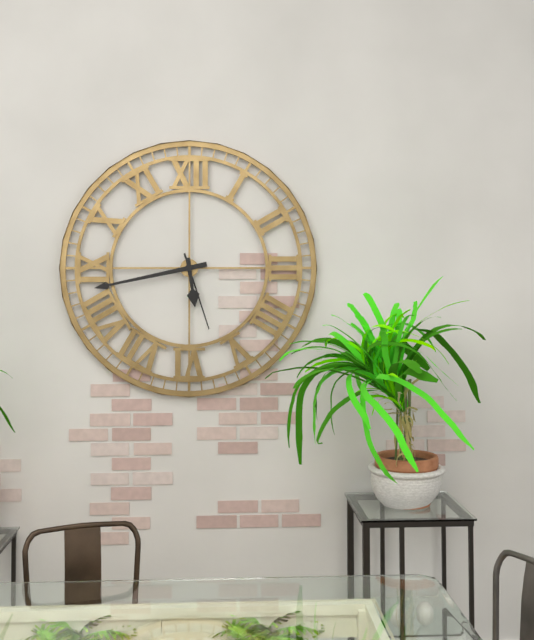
5:43:27
